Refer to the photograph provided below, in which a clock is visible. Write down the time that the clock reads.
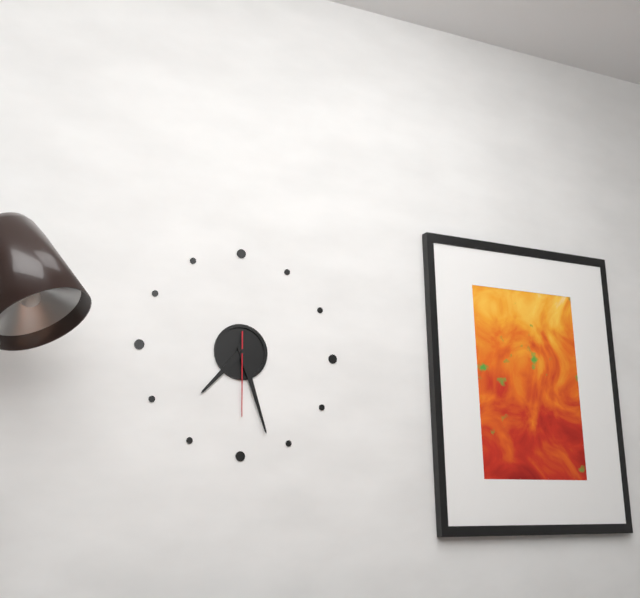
7:27:30
